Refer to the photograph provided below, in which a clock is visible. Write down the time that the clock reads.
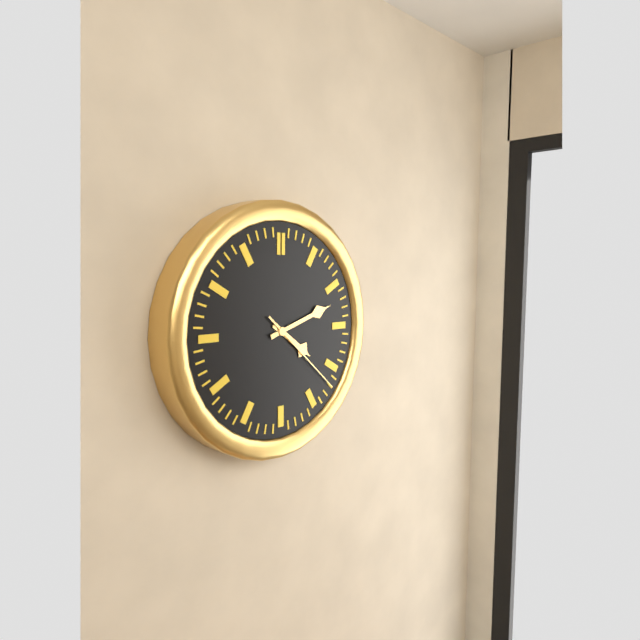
4:12:22
